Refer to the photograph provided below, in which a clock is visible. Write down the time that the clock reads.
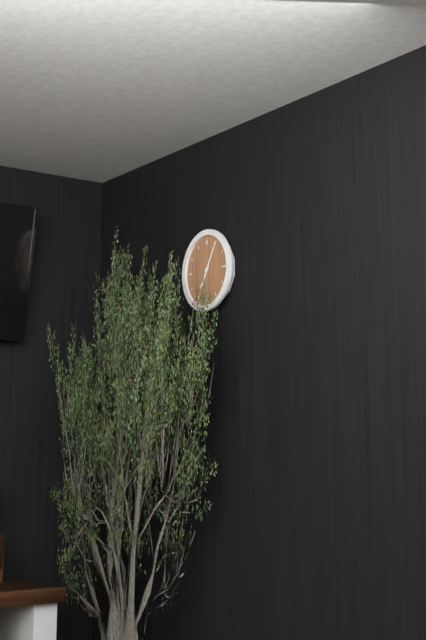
7:05
